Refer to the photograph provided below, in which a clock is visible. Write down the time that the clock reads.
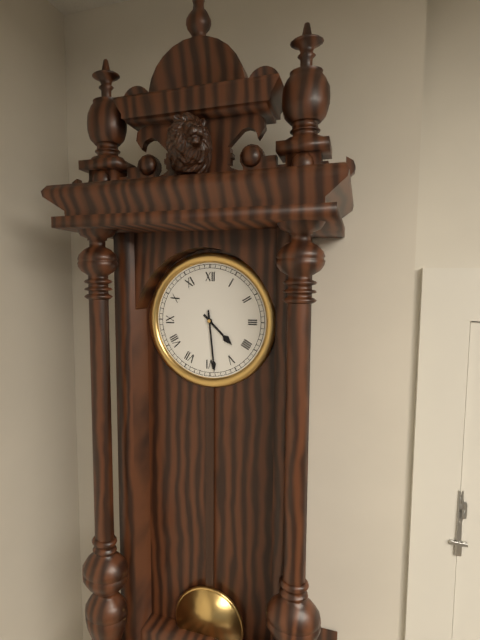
4:29
